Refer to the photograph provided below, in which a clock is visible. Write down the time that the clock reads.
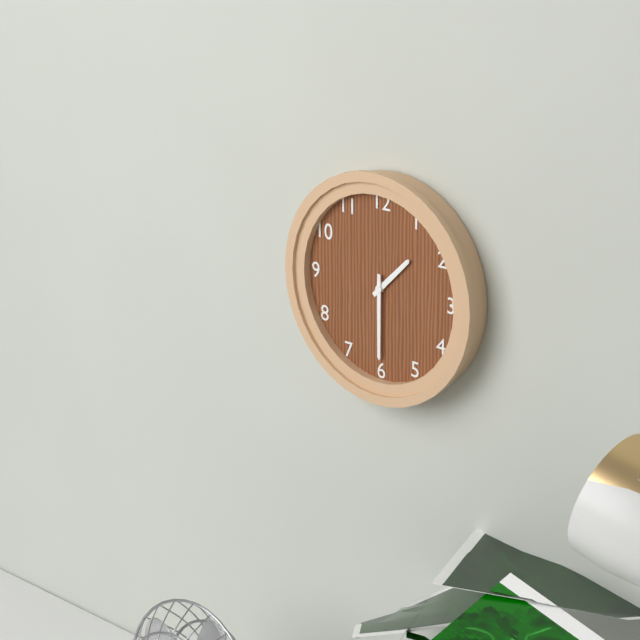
1:30
